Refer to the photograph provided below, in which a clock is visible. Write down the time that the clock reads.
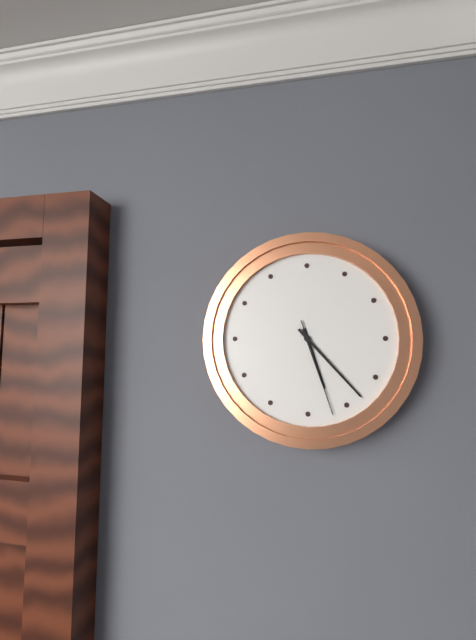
5:23:27
